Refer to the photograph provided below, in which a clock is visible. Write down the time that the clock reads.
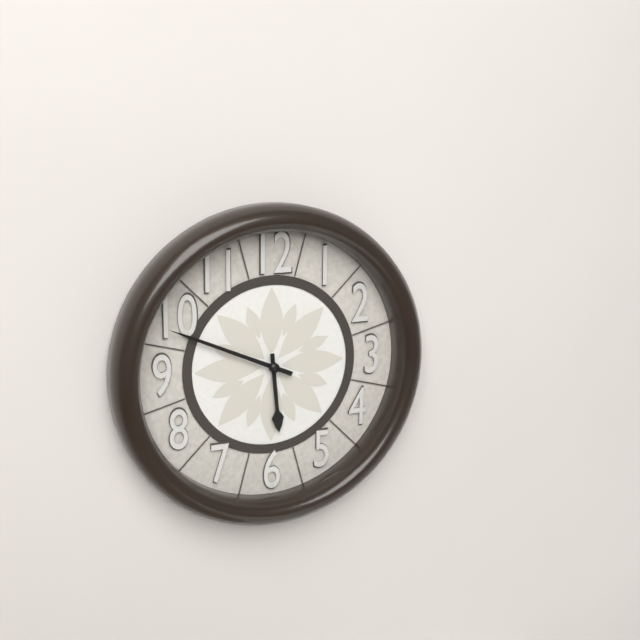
5:49
